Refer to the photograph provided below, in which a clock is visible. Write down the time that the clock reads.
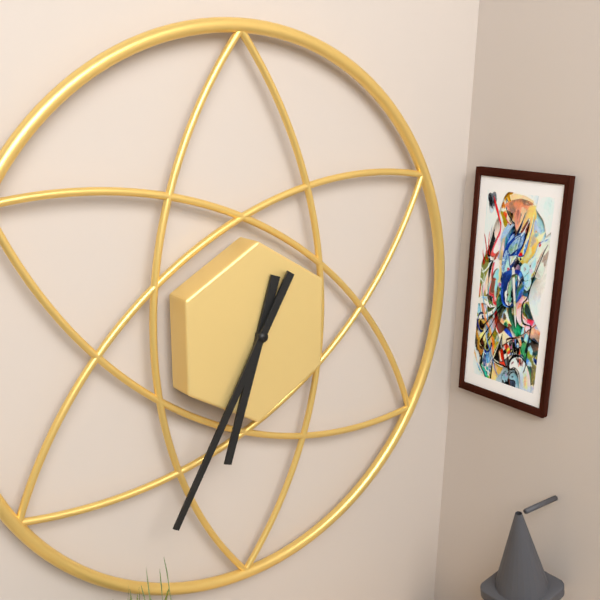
6:35
